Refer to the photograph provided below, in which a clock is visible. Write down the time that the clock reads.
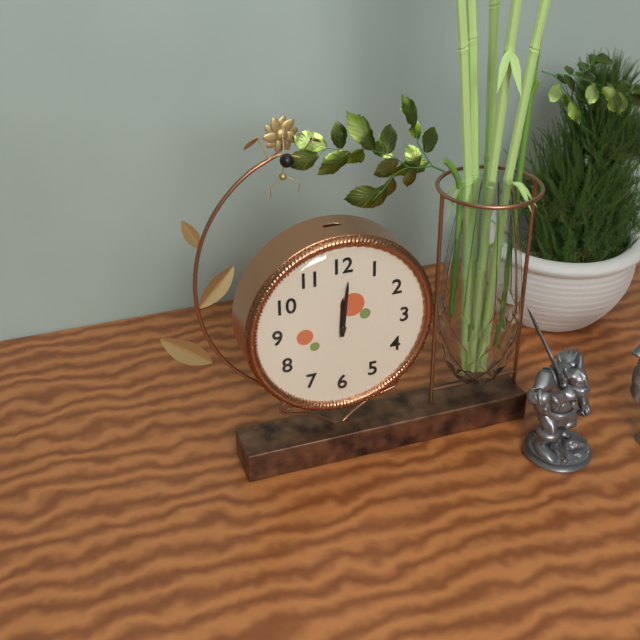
12:01
